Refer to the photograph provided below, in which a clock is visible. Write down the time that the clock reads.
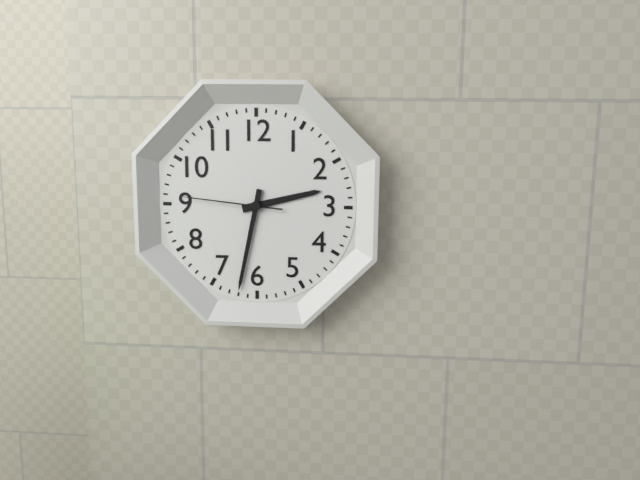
2:32:46
